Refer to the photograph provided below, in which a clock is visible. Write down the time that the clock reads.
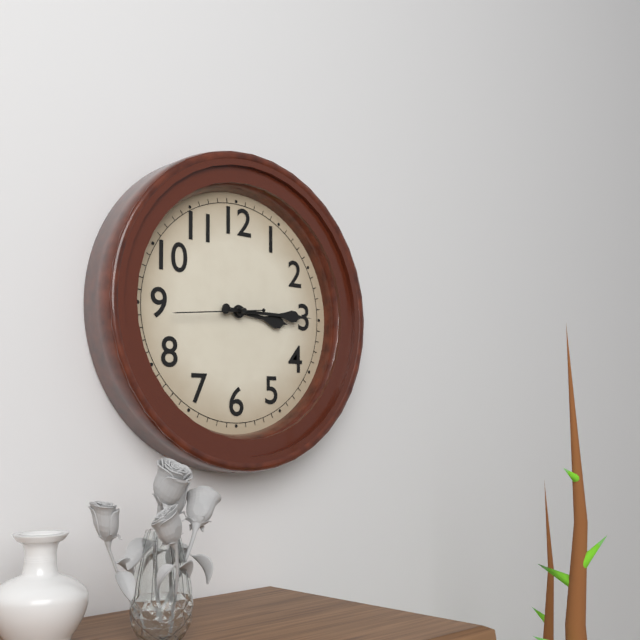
3:15:44
